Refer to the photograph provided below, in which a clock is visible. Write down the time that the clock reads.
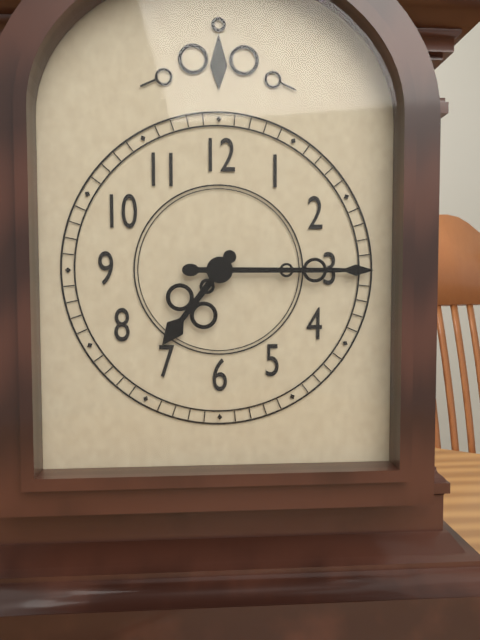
7:15
